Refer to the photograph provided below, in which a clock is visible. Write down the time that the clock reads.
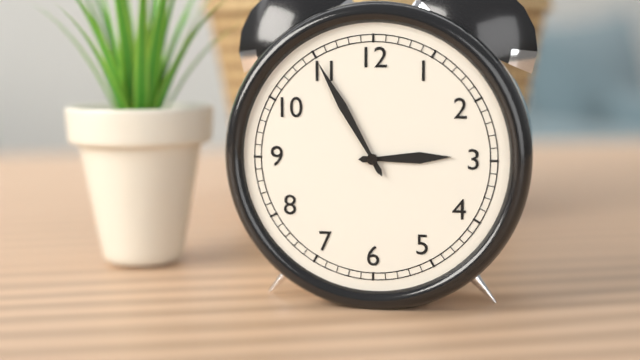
2:55
